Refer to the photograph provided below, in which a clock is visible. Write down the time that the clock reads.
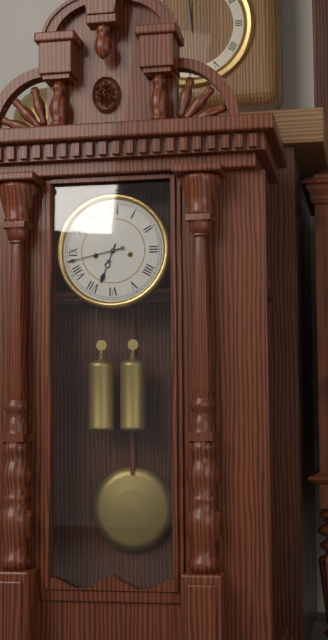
6:43
